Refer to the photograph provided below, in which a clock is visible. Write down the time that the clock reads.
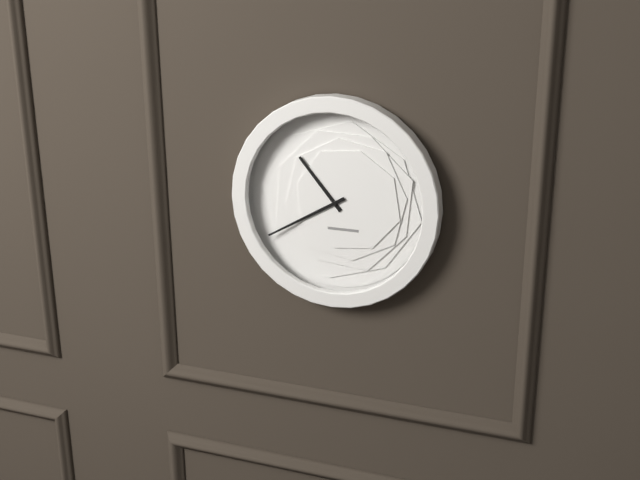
10:40
